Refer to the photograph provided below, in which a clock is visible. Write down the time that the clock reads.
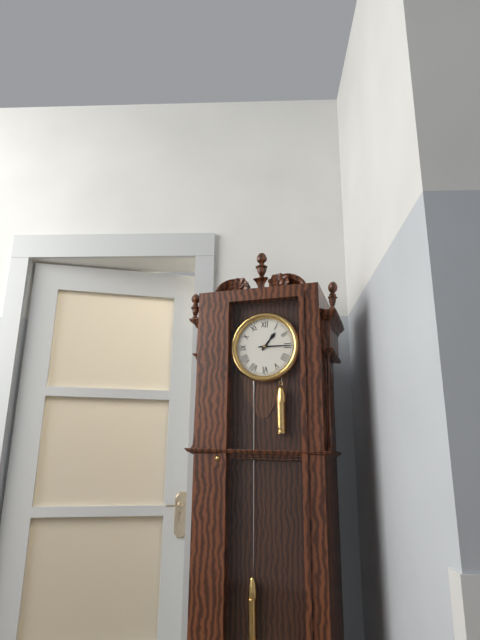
1:15
